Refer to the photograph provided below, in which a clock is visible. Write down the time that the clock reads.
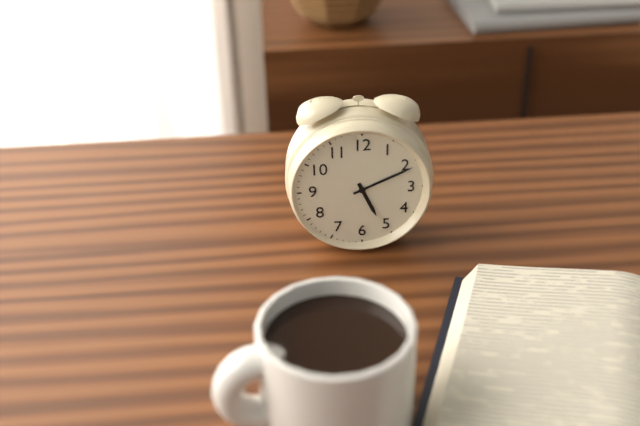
5:11
